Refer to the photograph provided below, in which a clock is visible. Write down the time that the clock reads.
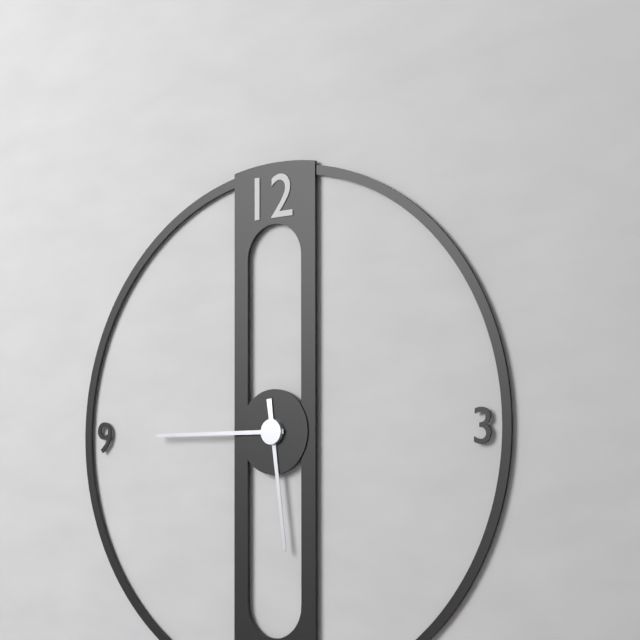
5:45
